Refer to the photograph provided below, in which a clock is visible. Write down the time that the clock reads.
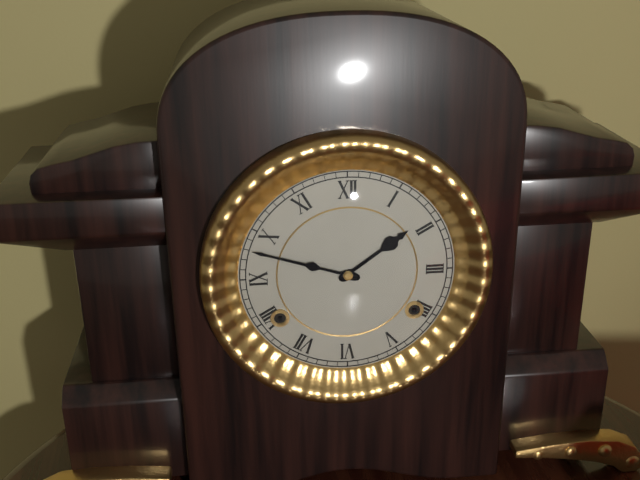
1:48
